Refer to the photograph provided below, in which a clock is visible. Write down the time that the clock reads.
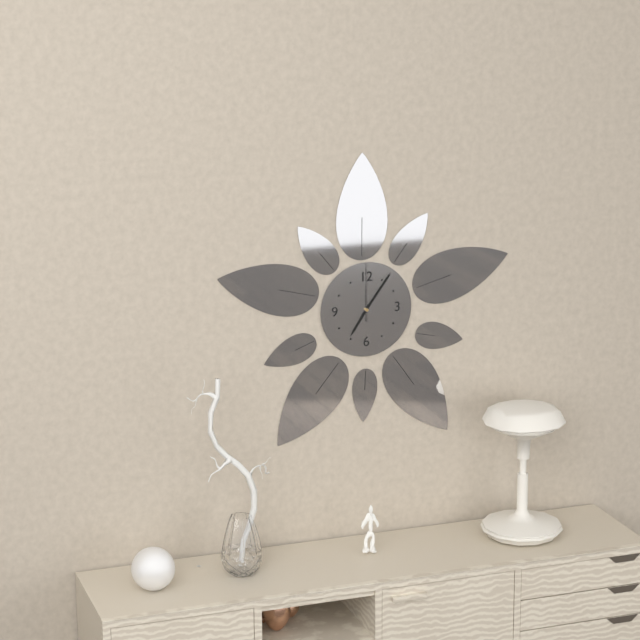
7:06:00
